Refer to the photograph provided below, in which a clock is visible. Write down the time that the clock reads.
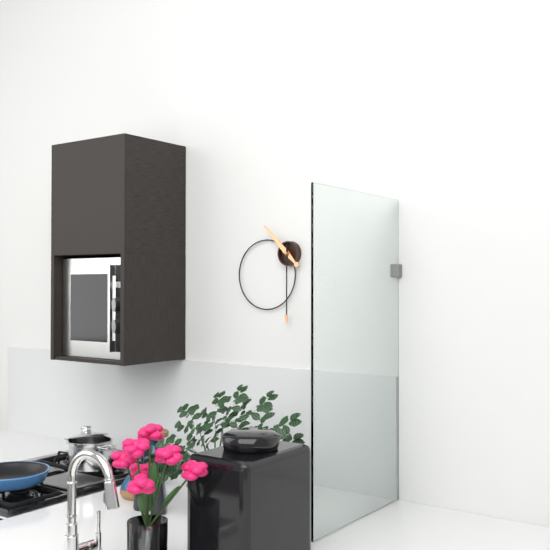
10:30
